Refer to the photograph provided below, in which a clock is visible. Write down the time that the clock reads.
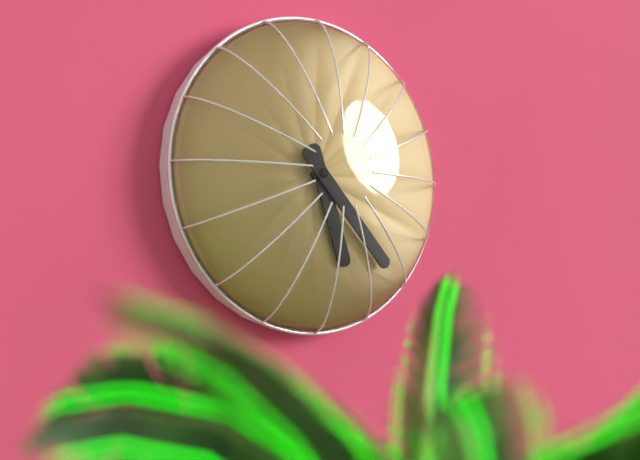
5:23
